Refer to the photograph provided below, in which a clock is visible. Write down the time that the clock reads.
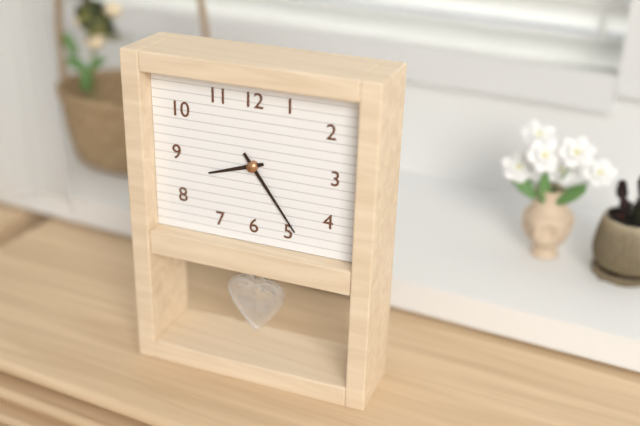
8:24
